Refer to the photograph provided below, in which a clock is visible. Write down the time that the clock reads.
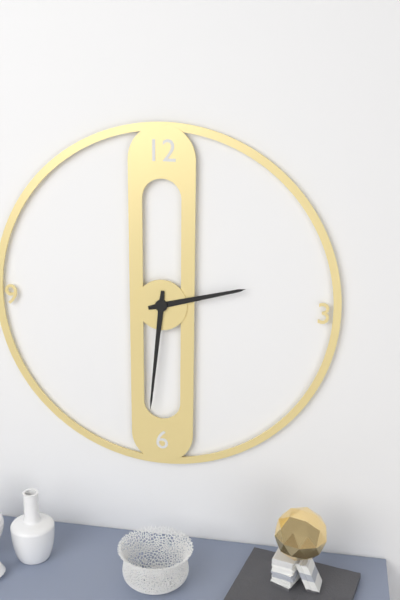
2:31
